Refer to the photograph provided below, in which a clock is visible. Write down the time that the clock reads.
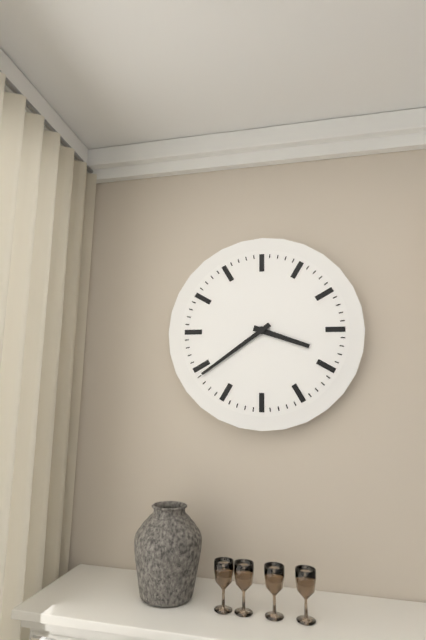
3:39
